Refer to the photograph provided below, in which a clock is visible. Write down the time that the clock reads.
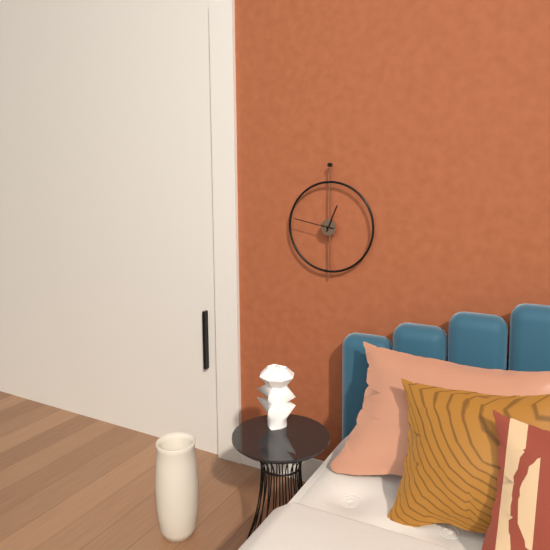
12:47
